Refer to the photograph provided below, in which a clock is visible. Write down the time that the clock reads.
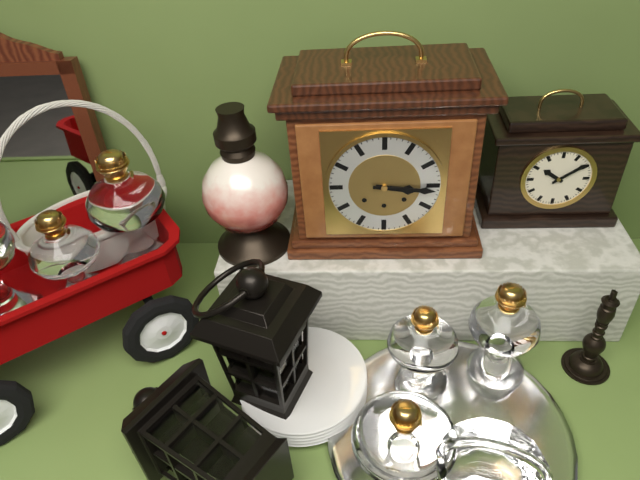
3:16
